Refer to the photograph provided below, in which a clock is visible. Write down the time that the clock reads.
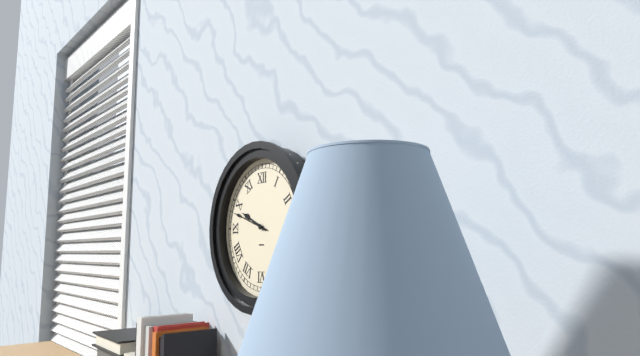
9:48
